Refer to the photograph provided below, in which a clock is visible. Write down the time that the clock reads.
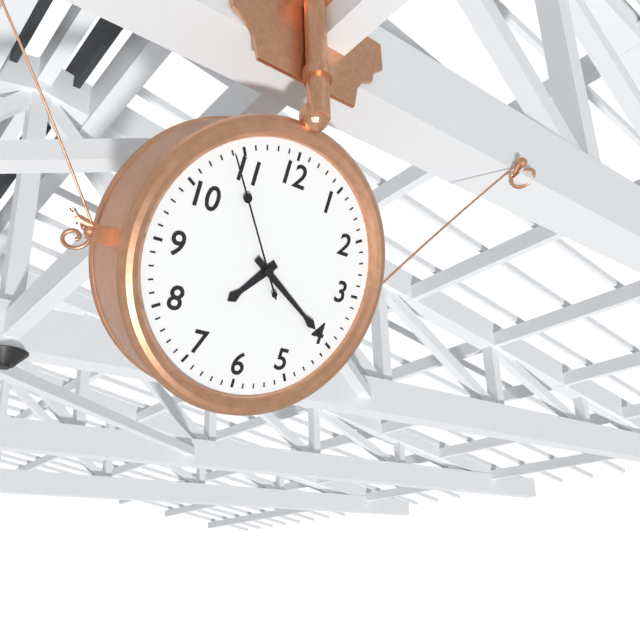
7:20:54
